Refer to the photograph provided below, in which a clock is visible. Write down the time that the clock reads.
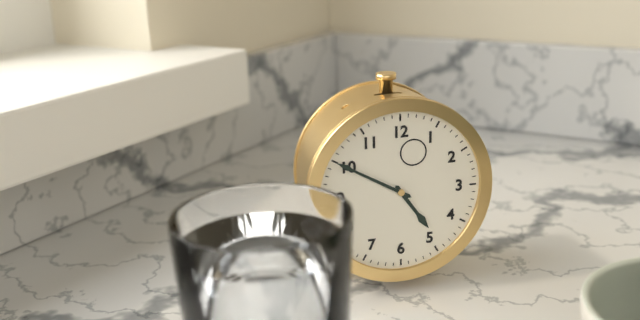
4:50
